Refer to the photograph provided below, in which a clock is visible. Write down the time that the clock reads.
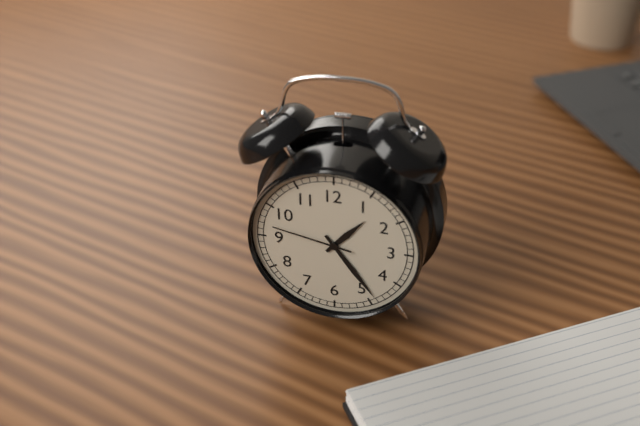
1:24:47
